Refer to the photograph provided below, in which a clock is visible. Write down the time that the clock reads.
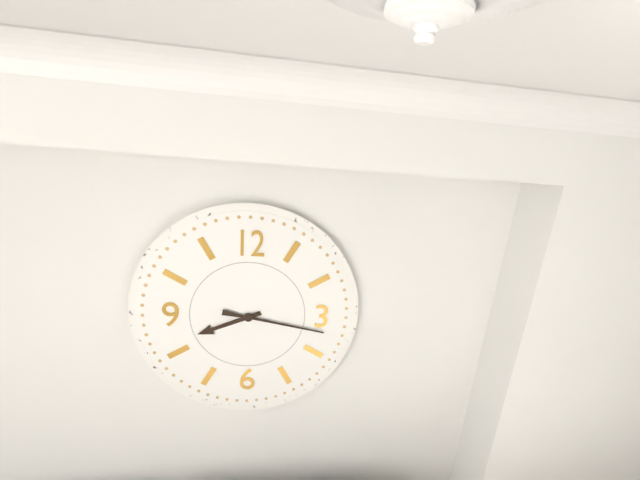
8:17
